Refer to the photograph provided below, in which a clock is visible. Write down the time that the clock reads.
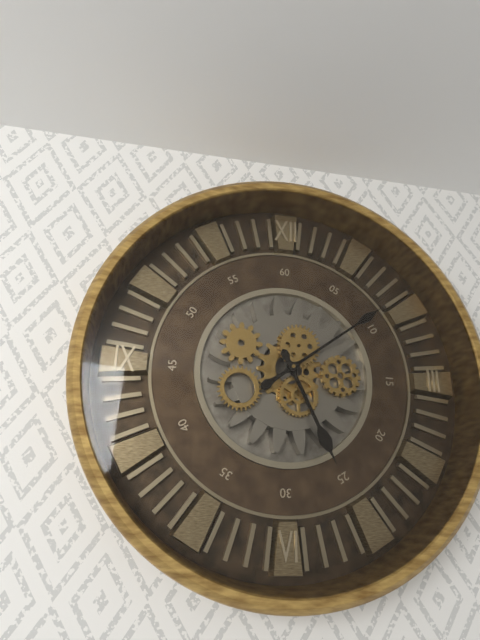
5:09
